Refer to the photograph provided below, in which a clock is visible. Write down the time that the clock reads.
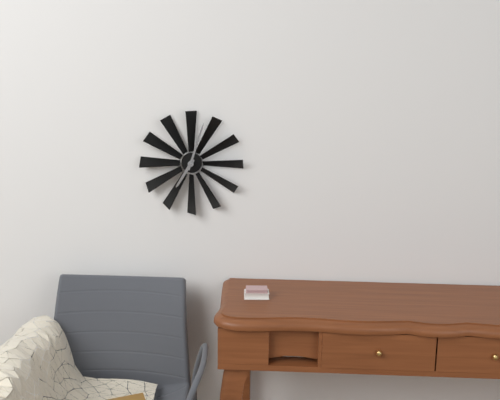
7:03
